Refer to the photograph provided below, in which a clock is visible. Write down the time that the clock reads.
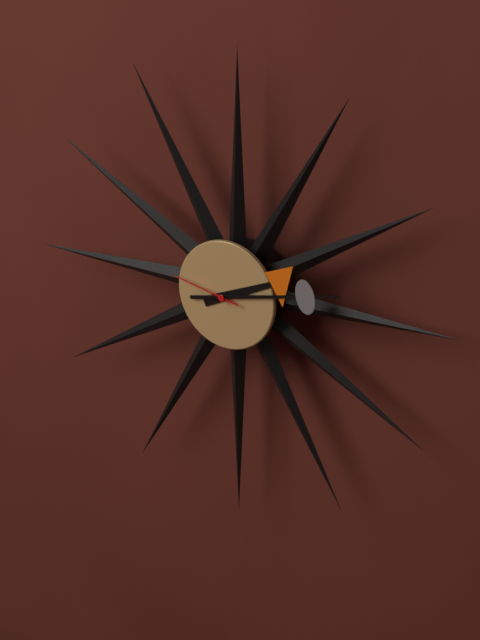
2:13:47
